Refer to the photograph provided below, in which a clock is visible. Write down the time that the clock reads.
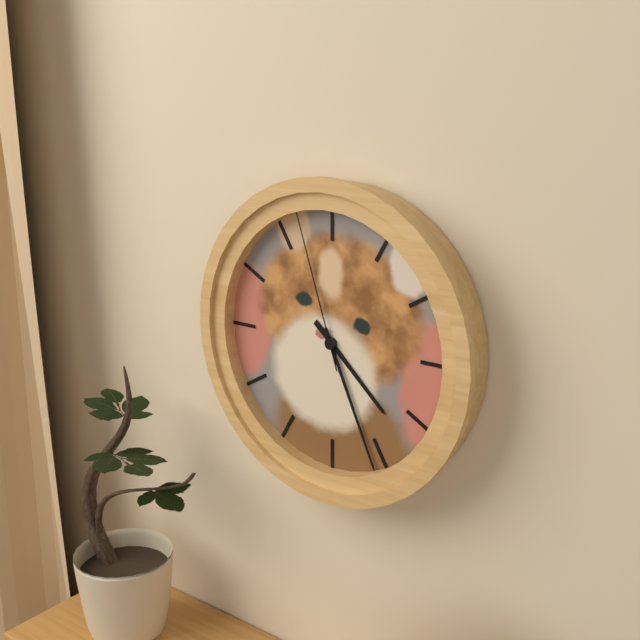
4:26:57
